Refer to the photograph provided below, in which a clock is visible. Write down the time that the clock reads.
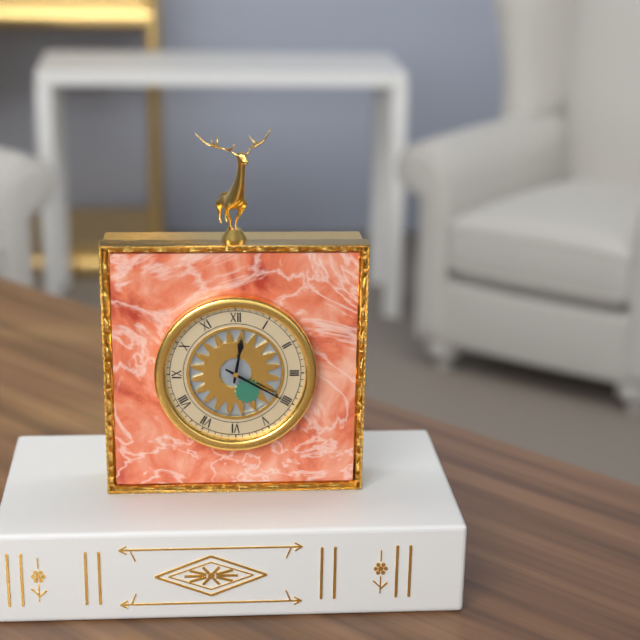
12:20
